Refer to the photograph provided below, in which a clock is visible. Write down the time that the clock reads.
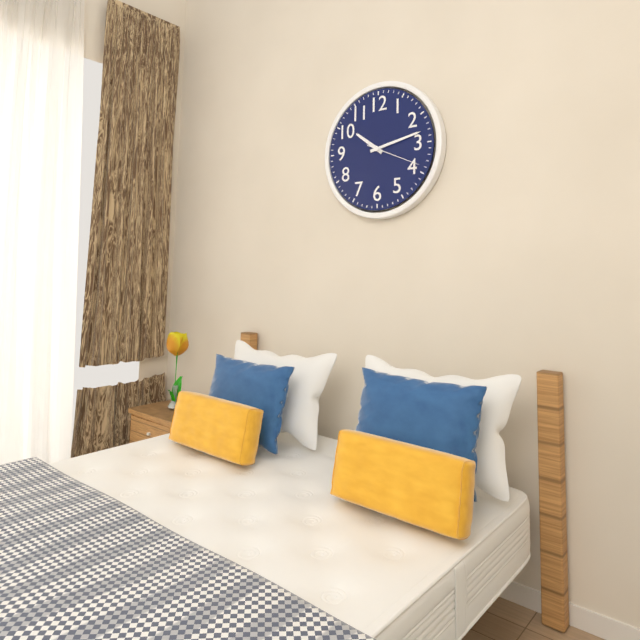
10:13:19
